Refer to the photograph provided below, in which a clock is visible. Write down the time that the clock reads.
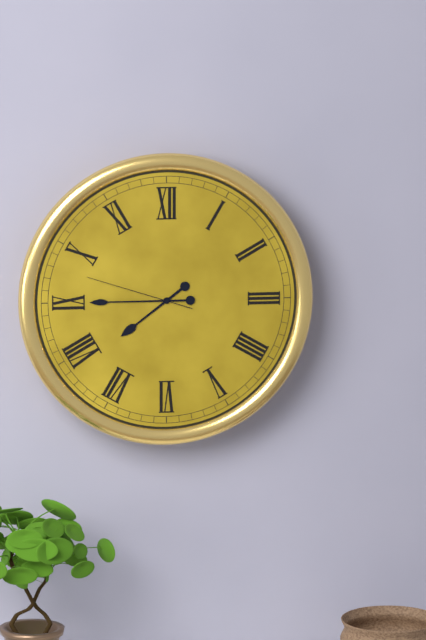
7:45:48
